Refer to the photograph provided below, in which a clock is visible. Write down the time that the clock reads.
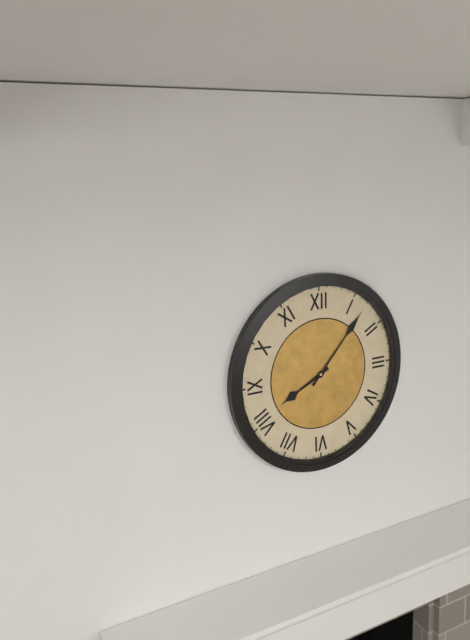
8:07
